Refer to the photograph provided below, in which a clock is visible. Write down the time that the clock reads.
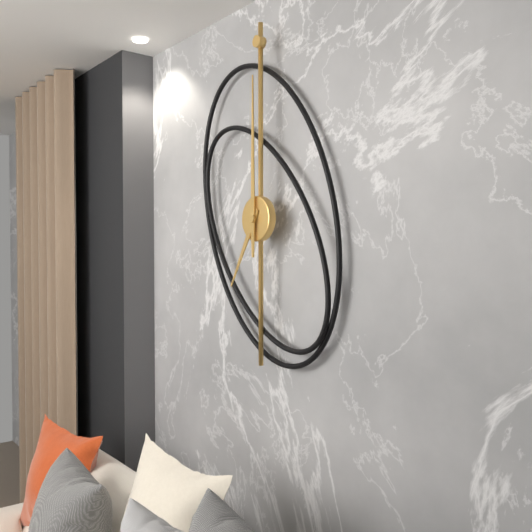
7:00
